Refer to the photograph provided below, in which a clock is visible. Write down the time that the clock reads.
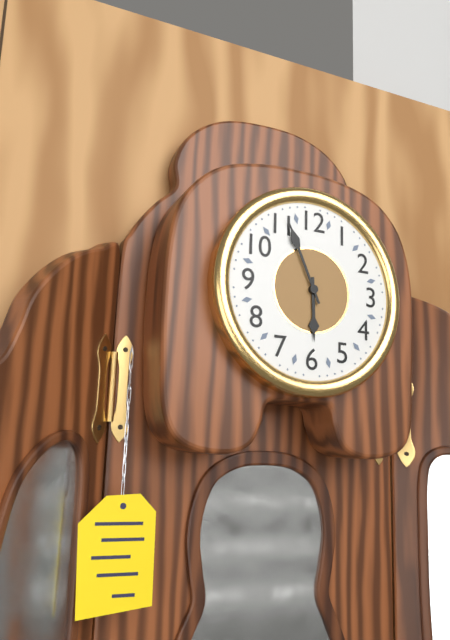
5:56
